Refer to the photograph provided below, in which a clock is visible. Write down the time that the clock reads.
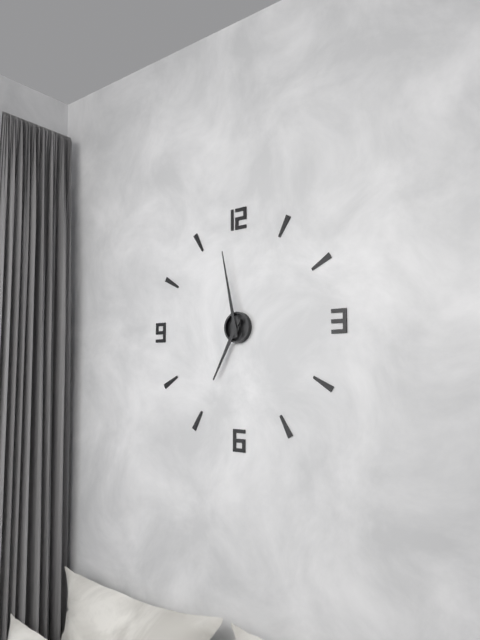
6:58
